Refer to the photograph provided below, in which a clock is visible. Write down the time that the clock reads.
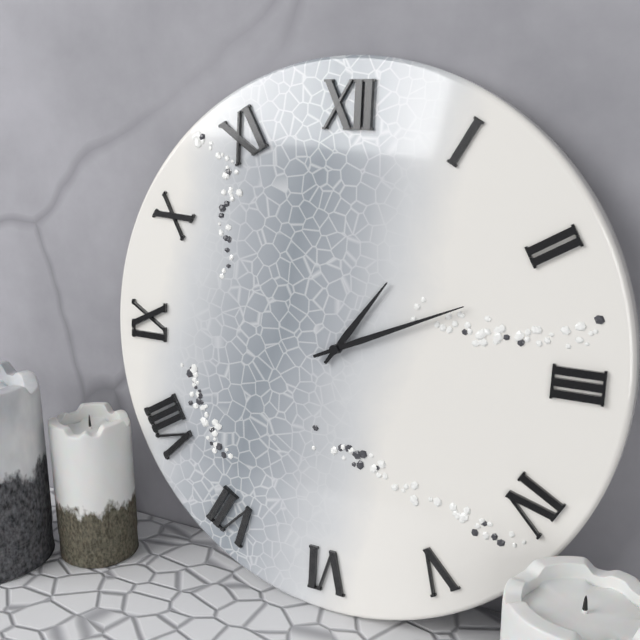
1:11
